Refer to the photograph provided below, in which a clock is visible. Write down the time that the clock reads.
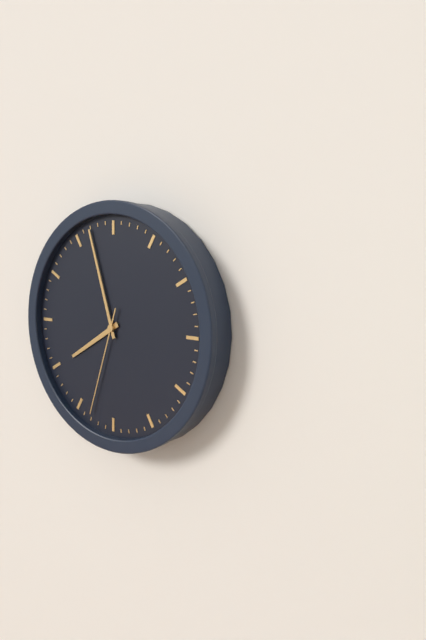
7:57:33
